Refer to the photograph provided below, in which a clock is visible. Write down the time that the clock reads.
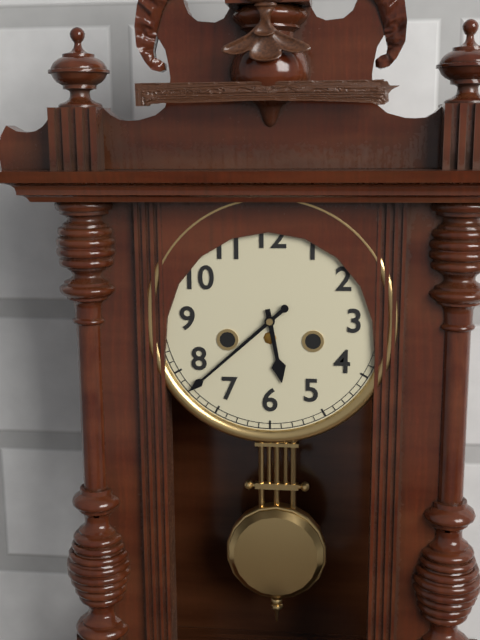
5:38
